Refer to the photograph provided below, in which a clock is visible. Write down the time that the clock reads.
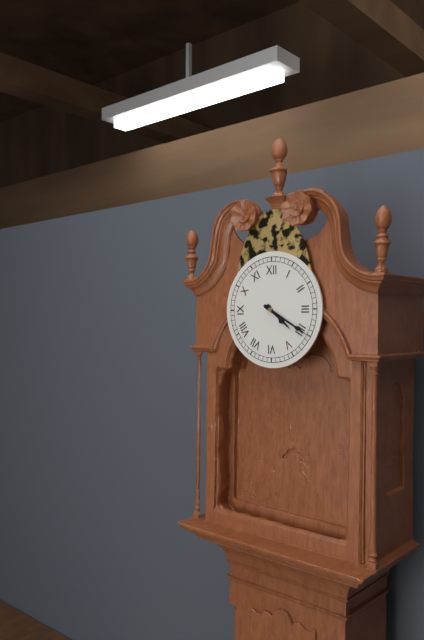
4:20
